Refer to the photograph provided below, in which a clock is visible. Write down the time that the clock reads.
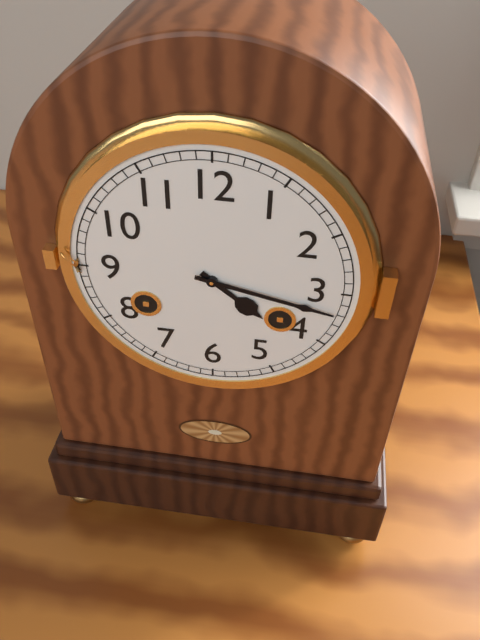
4:17
